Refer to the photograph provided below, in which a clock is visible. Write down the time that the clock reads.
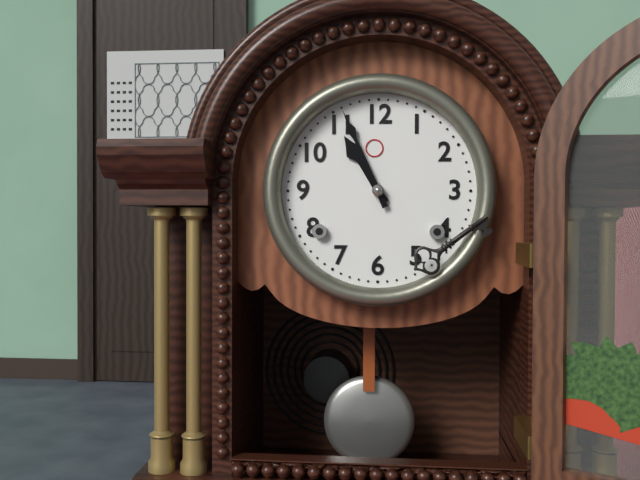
10:56
